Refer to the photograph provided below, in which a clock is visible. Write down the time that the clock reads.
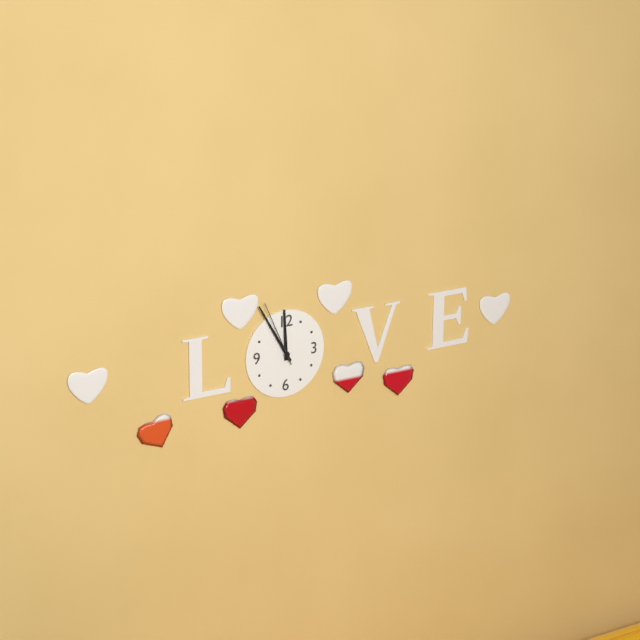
11:55:56
